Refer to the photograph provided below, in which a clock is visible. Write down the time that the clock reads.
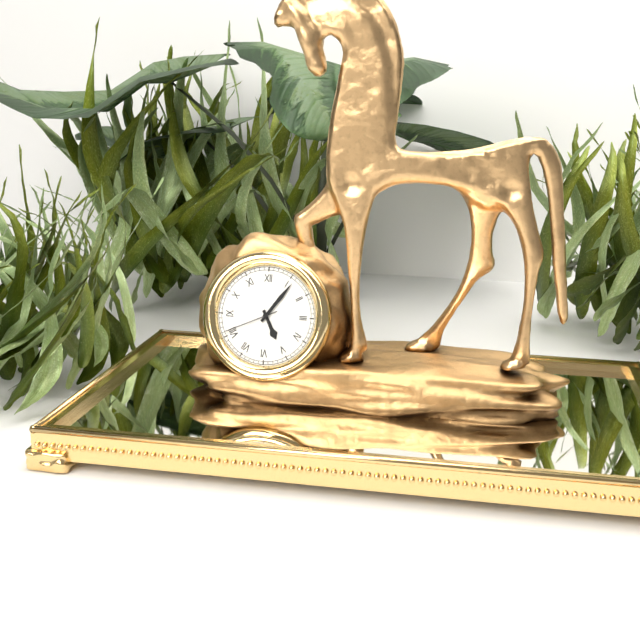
5:06:41
